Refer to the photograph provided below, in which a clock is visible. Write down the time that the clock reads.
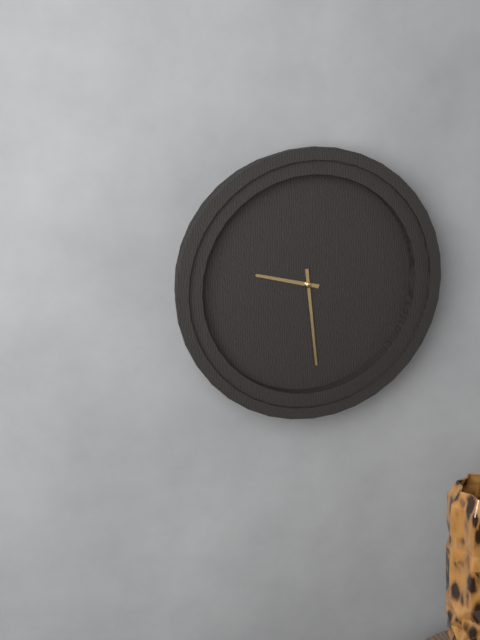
9:29
